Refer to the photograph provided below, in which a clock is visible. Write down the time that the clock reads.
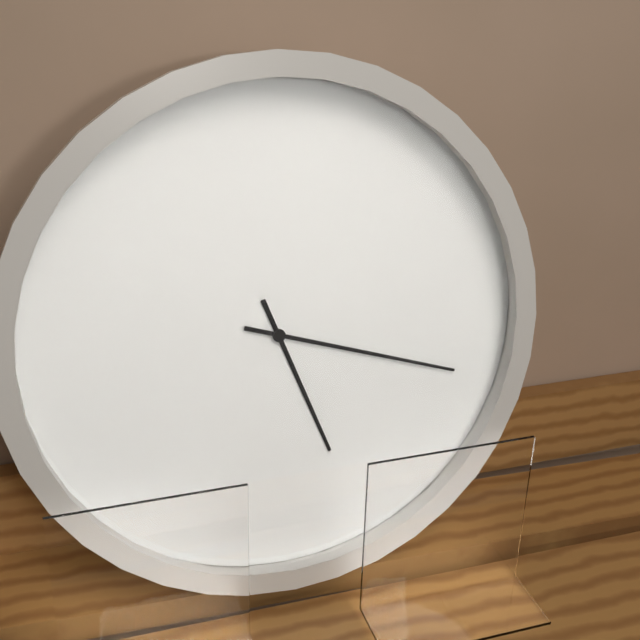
5:18
